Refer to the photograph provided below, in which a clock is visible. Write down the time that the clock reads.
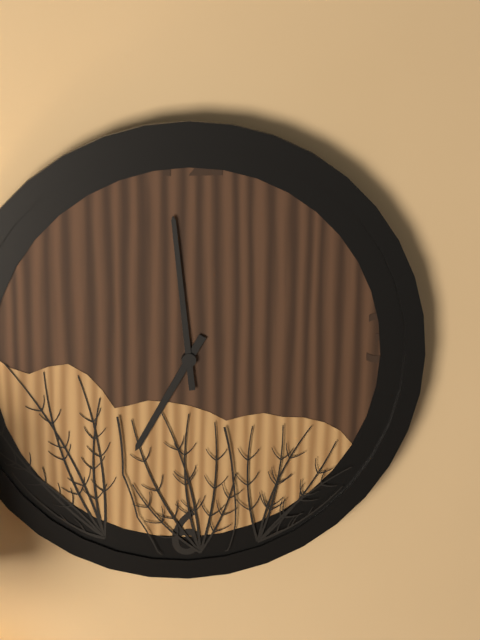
6:59
